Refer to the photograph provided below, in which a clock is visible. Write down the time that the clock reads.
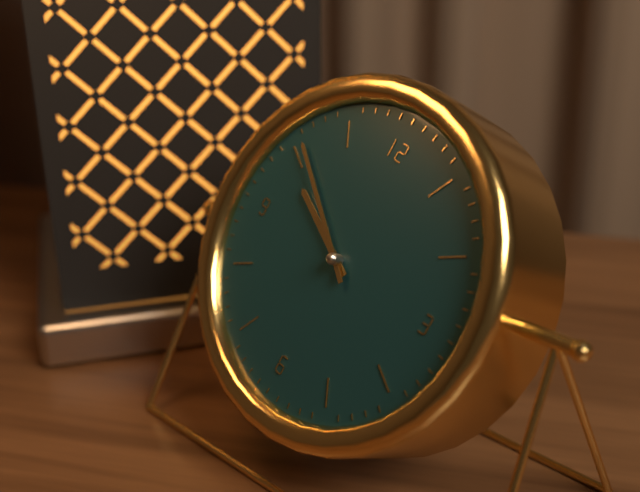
9:51
